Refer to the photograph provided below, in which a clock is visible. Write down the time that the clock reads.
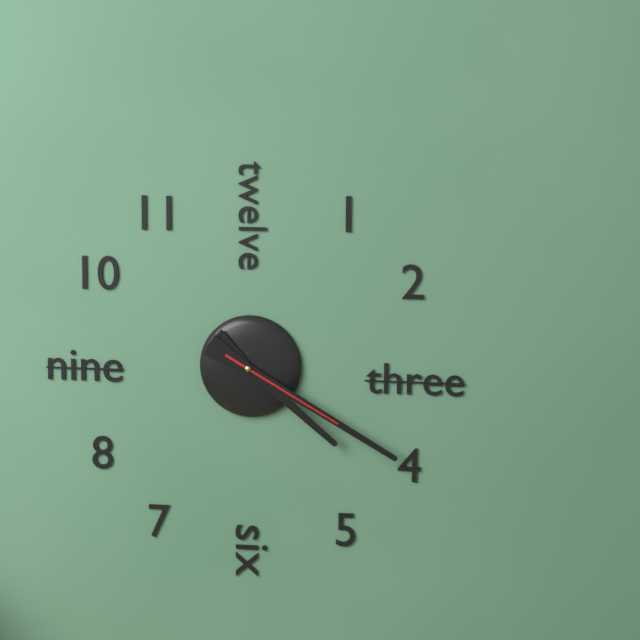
4:20:20
